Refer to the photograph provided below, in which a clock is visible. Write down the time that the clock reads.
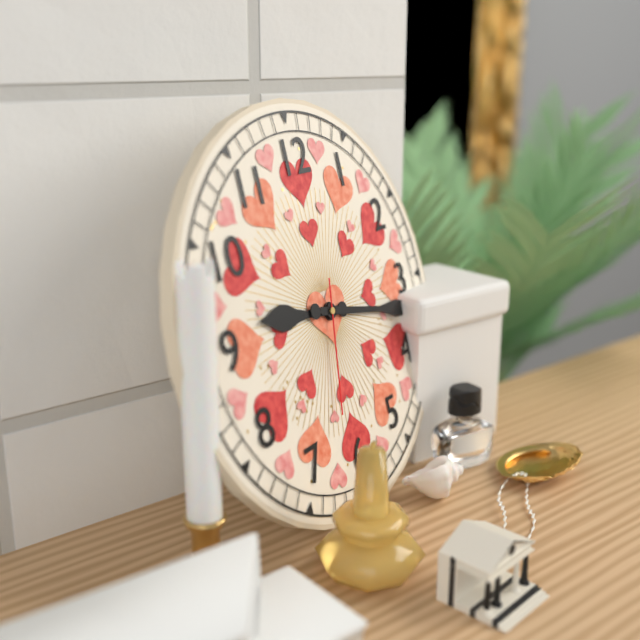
9:17:32
